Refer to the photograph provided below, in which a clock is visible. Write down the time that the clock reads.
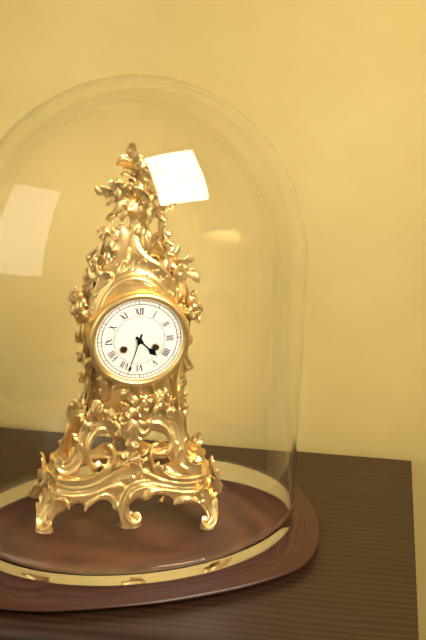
4:33
